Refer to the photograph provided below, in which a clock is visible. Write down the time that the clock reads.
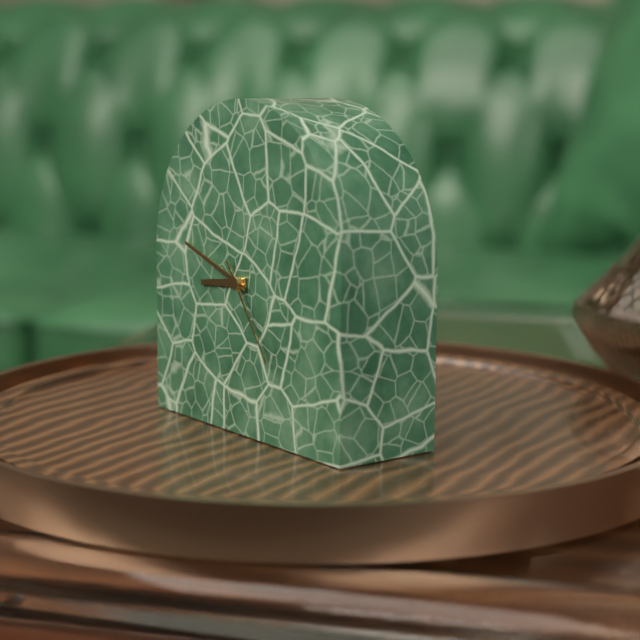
8:48:24
